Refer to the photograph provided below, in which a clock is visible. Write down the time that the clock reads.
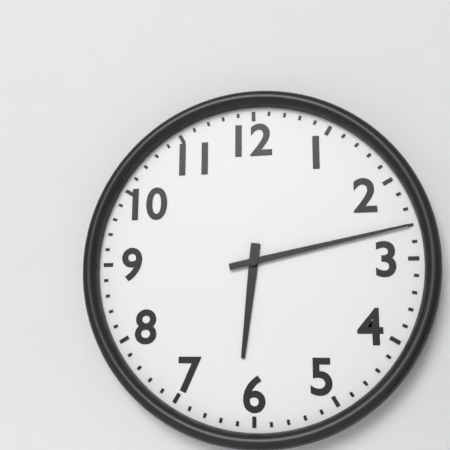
6:13
